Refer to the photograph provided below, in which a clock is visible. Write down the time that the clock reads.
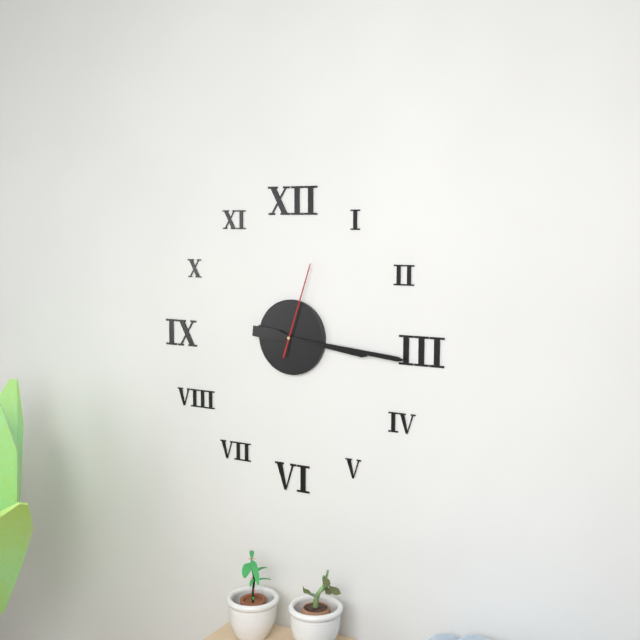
3:16:03
